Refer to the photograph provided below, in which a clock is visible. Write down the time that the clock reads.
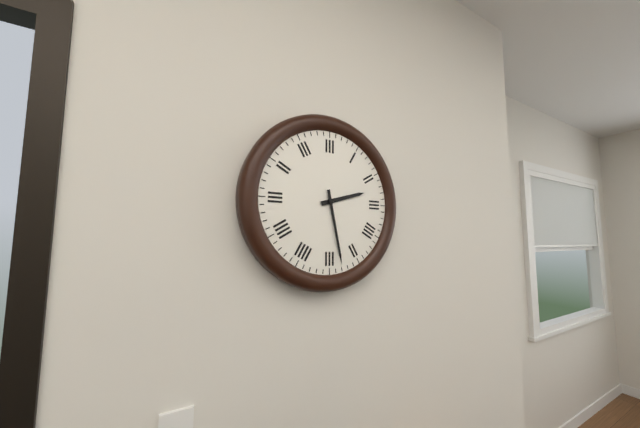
2:28
